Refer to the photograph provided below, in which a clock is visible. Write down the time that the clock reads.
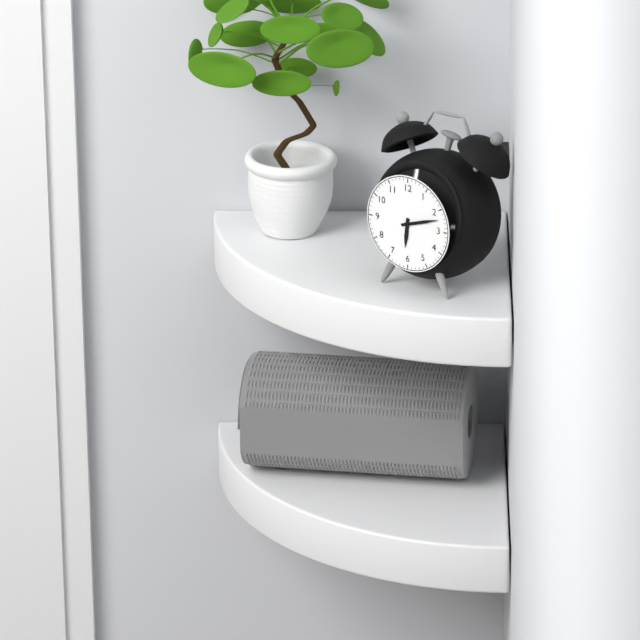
6:12
